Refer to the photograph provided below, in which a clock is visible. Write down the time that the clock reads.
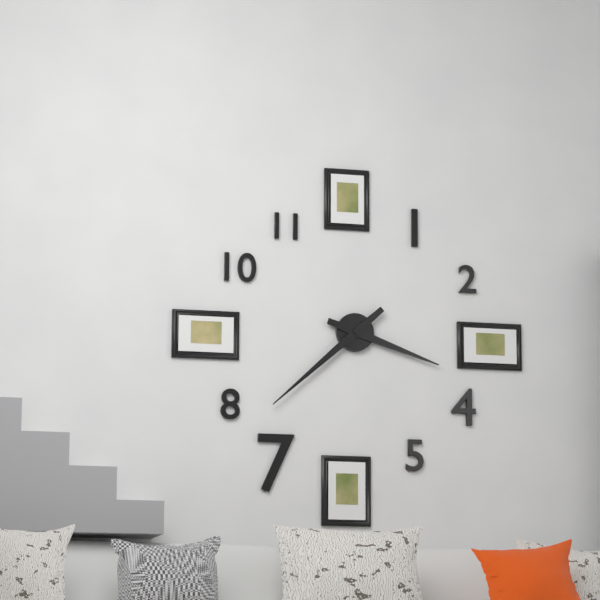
3:38
